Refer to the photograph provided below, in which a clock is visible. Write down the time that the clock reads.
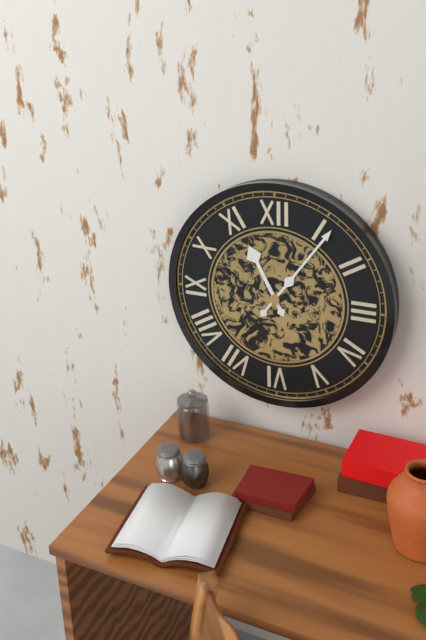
11:06
